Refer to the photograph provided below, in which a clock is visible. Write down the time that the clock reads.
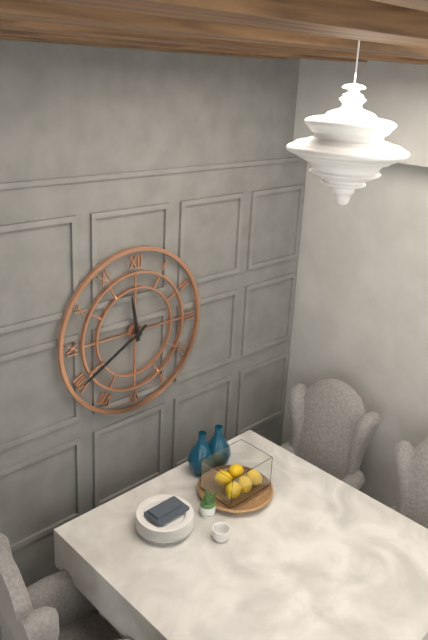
11:40
